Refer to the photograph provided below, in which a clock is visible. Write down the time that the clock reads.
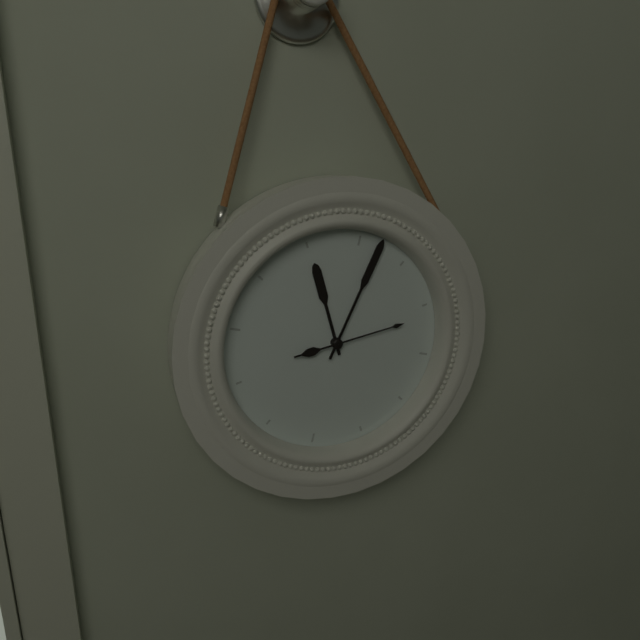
11:02:11
